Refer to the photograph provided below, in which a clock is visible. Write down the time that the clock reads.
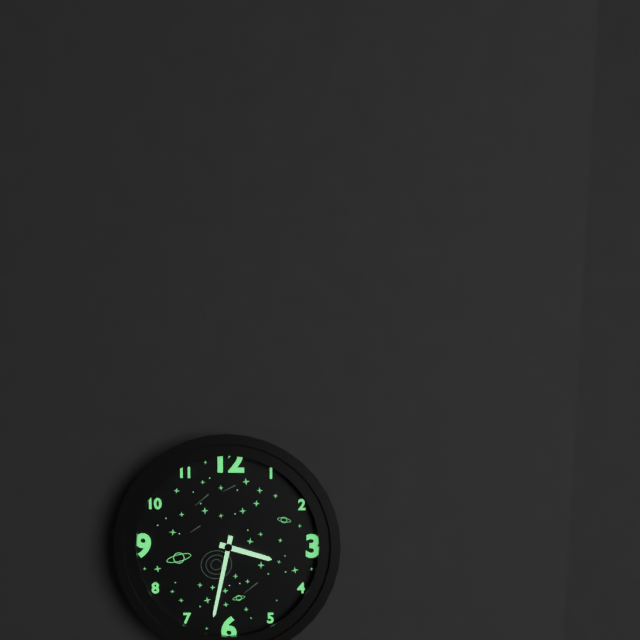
3:32
